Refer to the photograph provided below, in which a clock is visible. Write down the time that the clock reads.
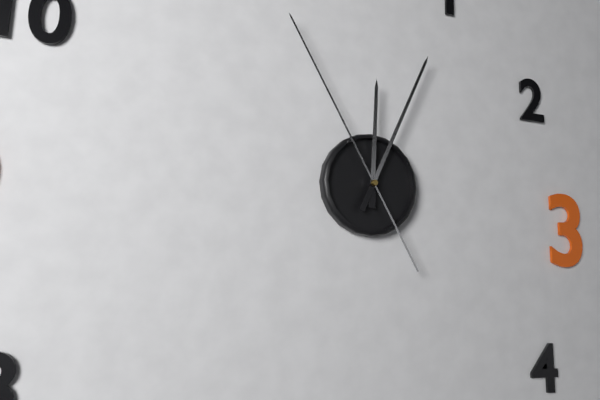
12:04:55
